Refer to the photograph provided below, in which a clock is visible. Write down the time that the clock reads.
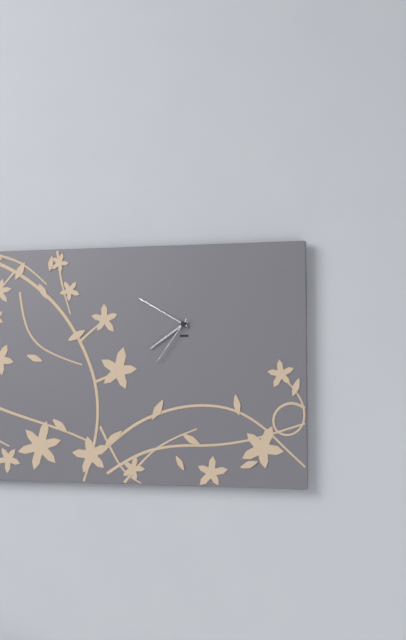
7:50:36
